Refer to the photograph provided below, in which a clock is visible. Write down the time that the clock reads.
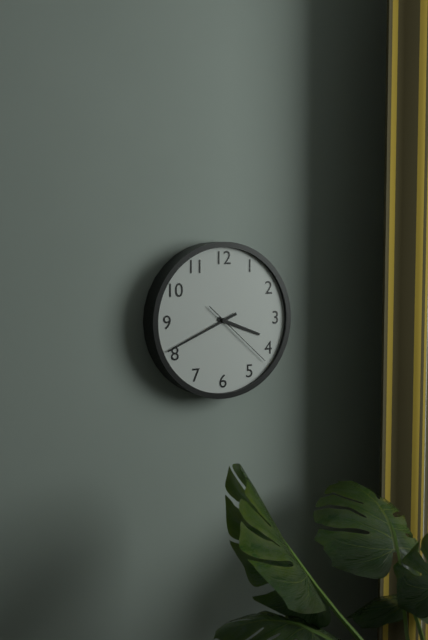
3:41:22
